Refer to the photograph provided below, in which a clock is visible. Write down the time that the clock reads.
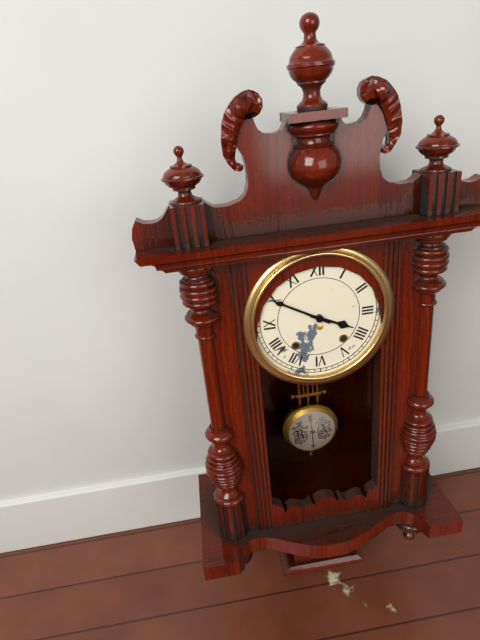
3:50
